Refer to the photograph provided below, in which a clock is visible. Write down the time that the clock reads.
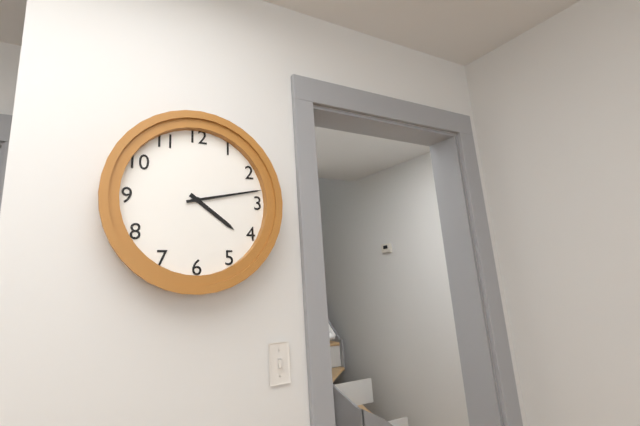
4:13
